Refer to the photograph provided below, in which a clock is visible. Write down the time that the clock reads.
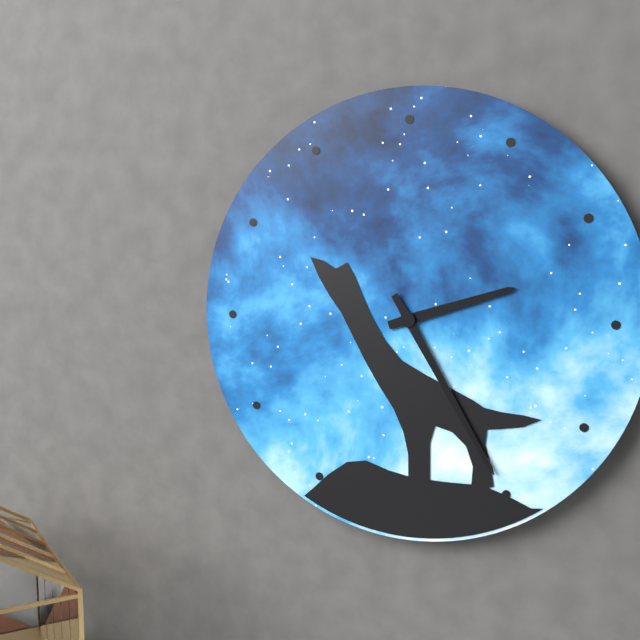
2:25
